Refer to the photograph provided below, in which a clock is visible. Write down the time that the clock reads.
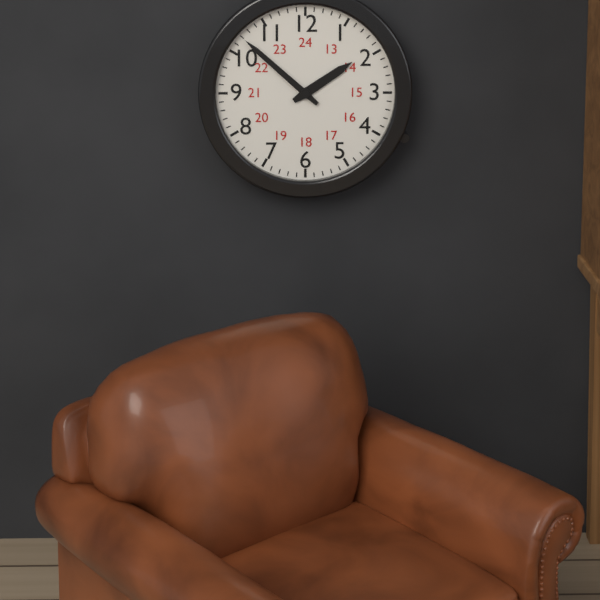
1:52
